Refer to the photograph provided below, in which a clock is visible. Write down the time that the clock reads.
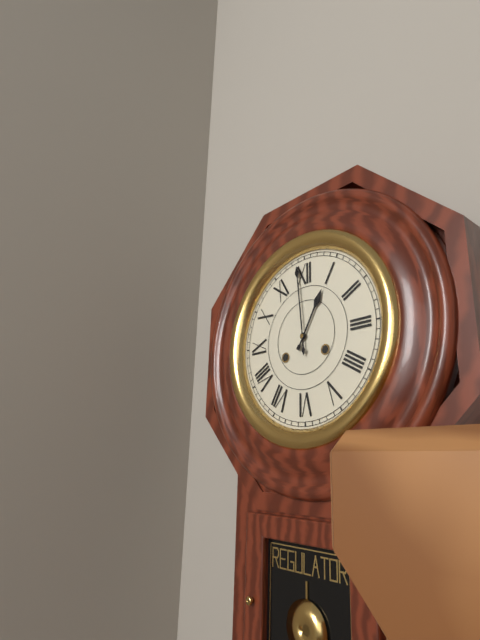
12:59
